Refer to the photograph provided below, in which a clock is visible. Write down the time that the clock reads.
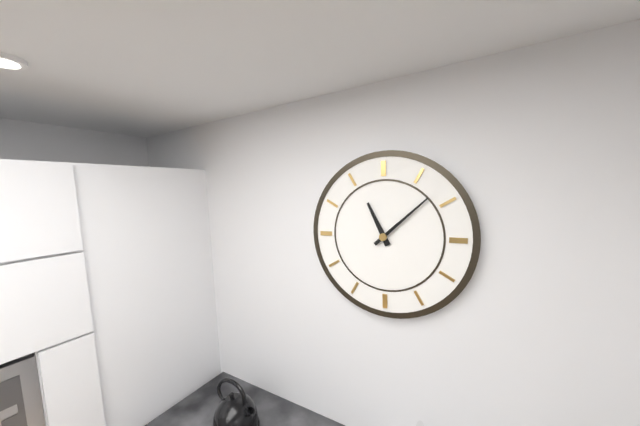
11:08
